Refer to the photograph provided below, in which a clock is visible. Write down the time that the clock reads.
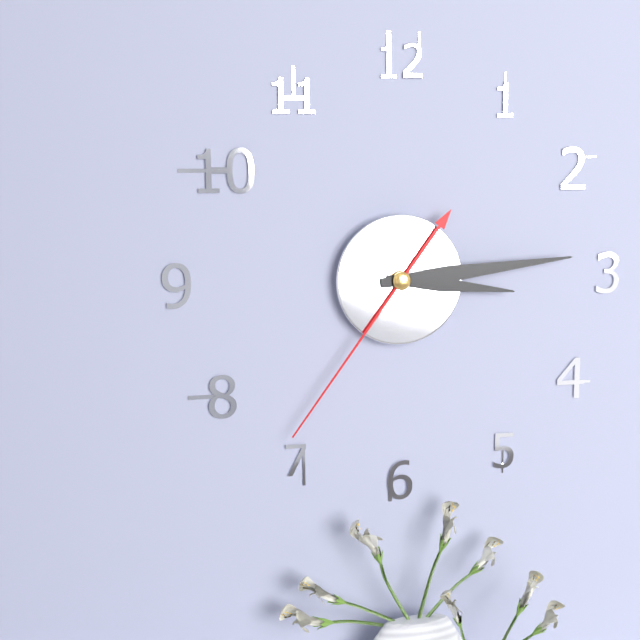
3:14:36
